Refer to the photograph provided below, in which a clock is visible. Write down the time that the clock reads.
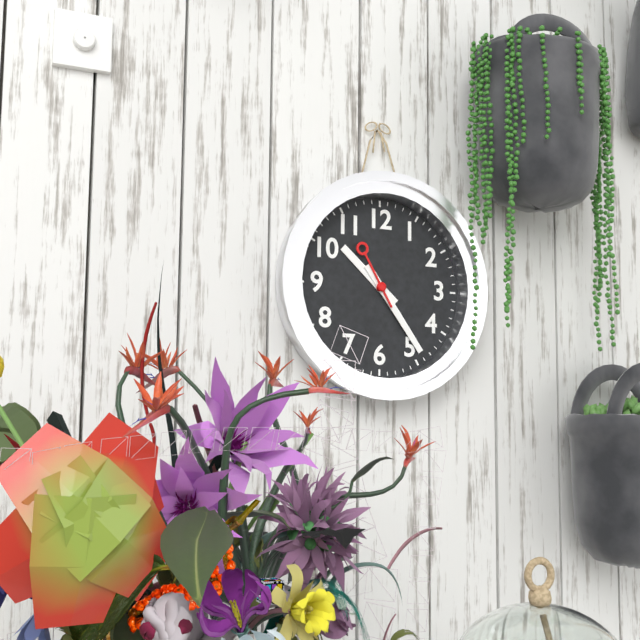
10:24:55
